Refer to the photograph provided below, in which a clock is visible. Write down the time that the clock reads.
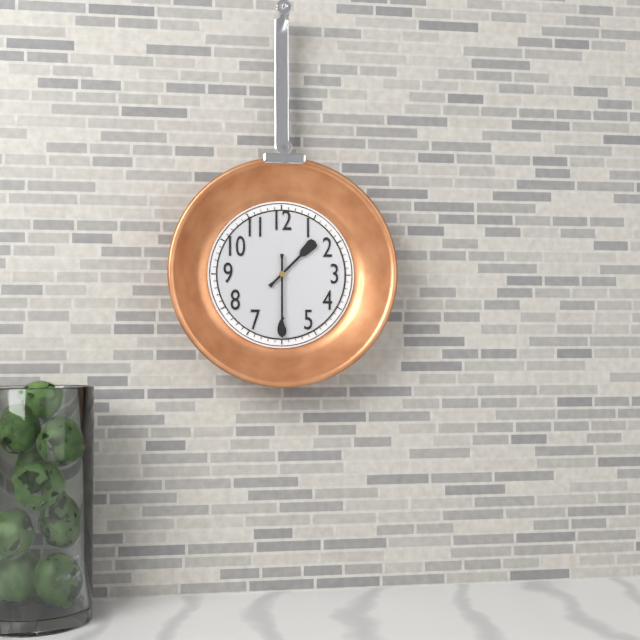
1:30
